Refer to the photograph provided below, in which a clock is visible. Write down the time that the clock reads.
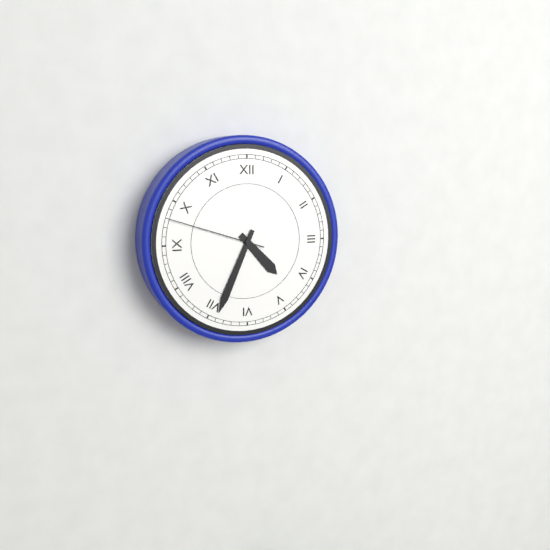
4:34:48
